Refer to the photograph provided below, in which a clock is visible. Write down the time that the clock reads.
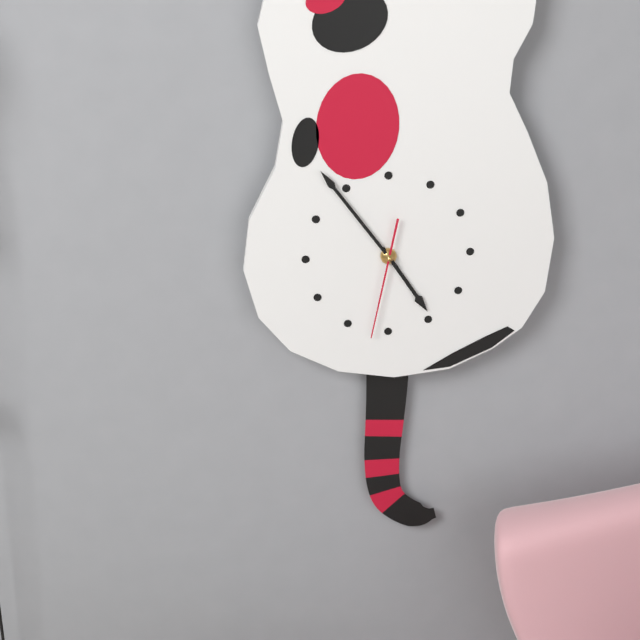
4:54:32
